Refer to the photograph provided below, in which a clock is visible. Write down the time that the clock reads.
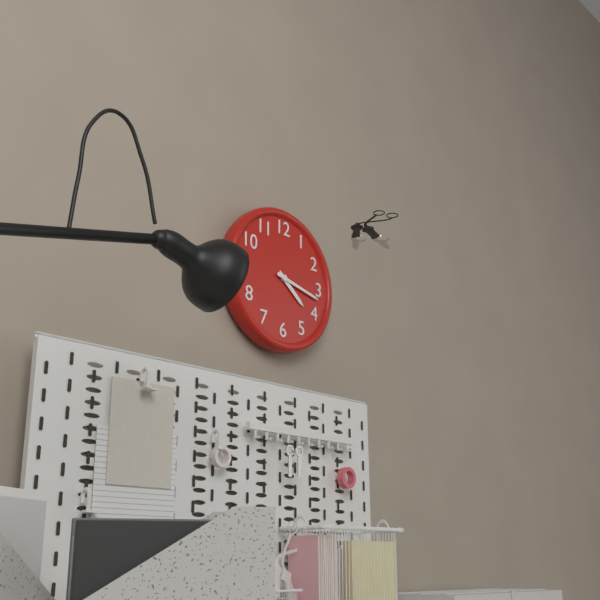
4:17
